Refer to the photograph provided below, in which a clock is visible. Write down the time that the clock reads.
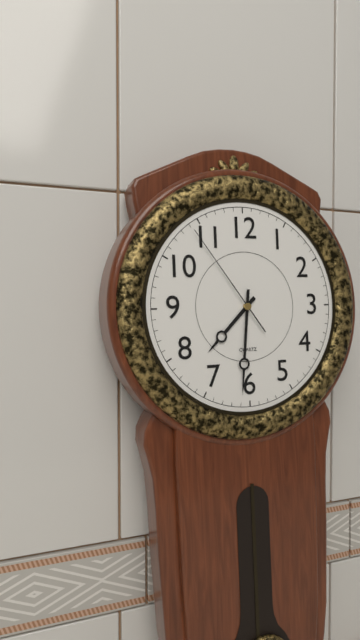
7:31:54
